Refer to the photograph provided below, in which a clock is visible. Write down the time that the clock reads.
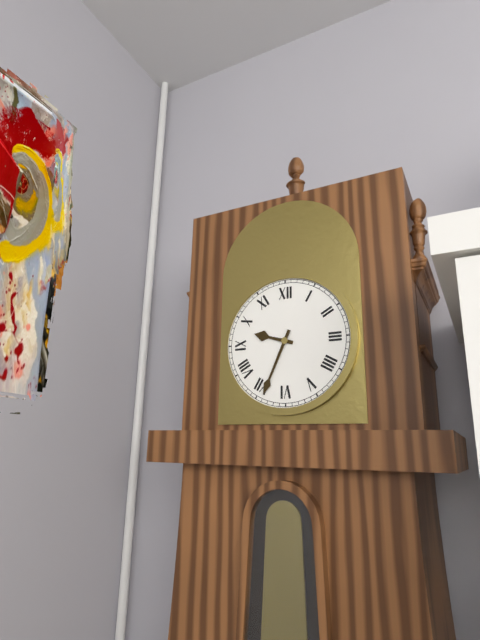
9:34
